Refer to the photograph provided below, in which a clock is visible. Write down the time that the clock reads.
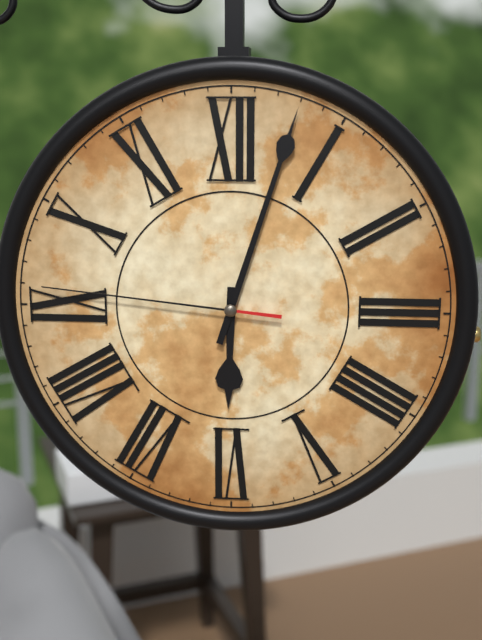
6:03:46
